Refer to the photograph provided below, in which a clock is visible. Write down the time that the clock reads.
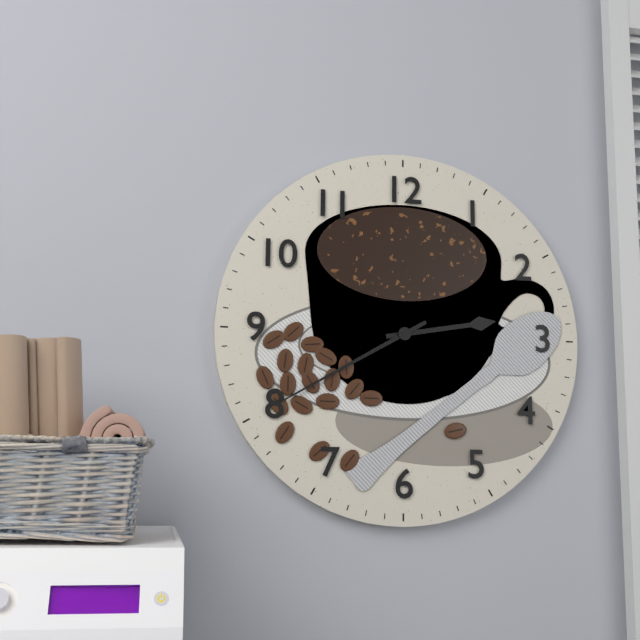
2:40
